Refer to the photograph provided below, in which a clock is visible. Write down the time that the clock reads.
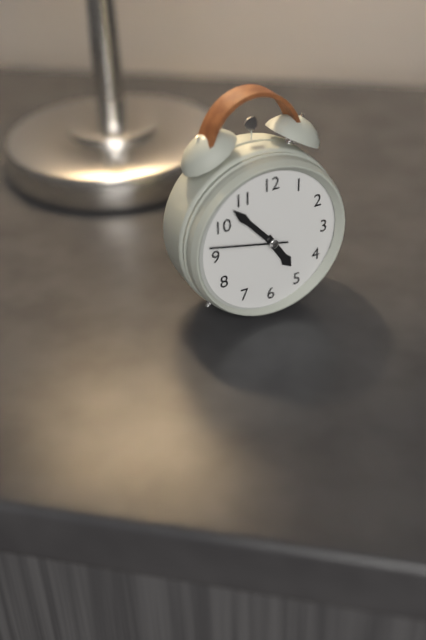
4:53:47
